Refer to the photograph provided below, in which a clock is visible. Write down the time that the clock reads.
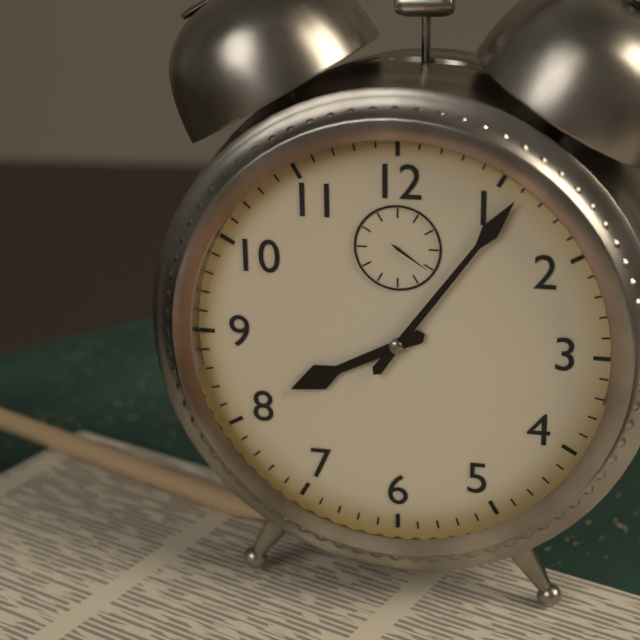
8:06
